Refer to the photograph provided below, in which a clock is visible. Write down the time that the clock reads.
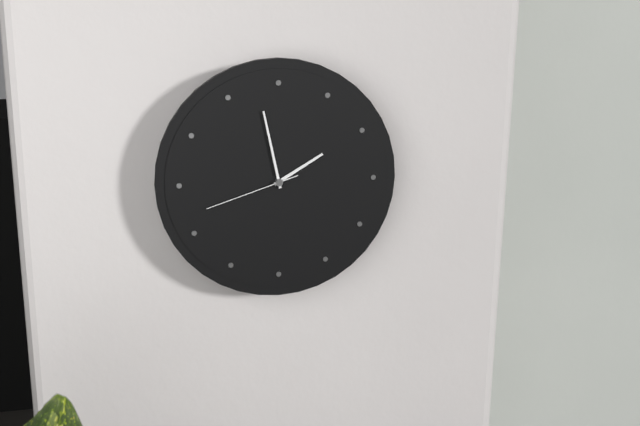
1:58:42
